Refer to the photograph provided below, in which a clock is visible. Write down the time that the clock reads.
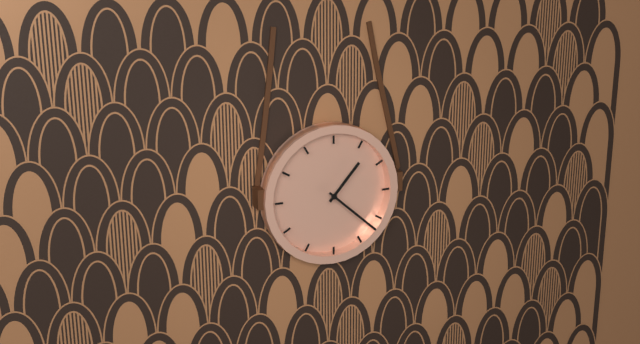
1:22
